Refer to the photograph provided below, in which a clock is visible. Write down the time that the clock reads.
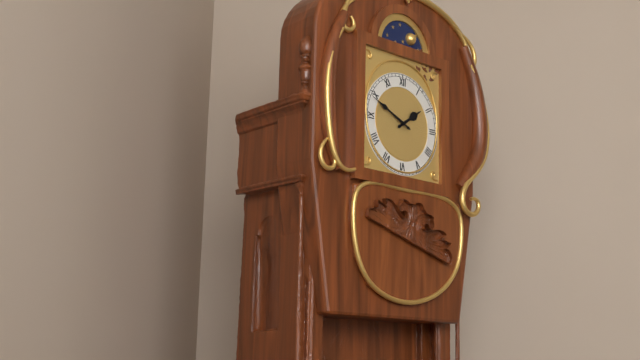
1:49
